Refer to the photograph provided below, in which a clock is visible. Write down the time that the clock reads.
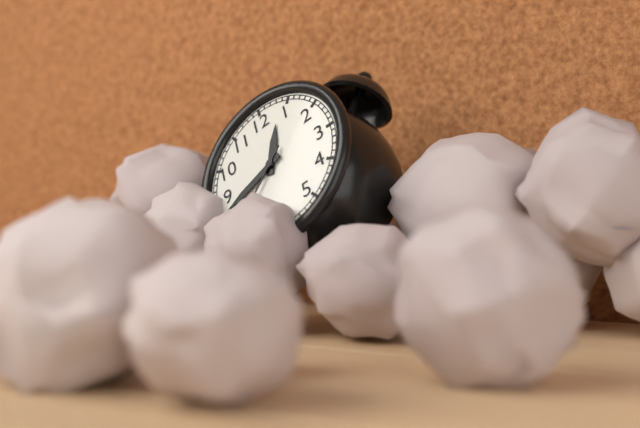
12:42
